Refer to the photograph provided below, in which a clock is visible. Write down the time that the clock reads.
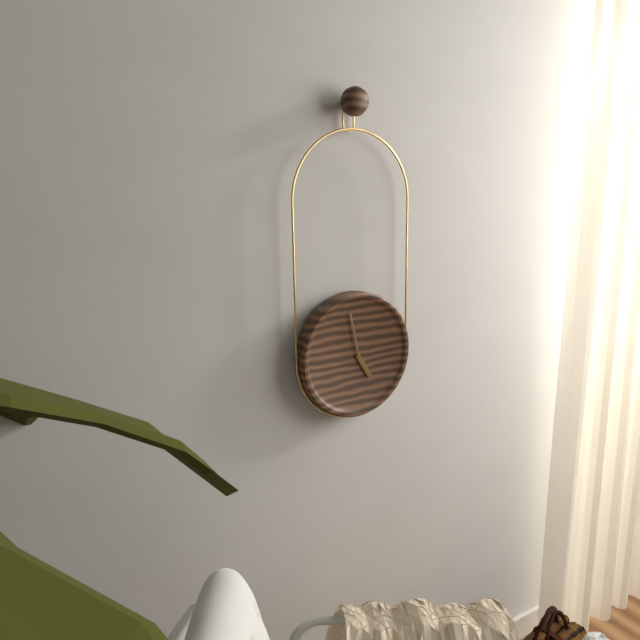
4:58
